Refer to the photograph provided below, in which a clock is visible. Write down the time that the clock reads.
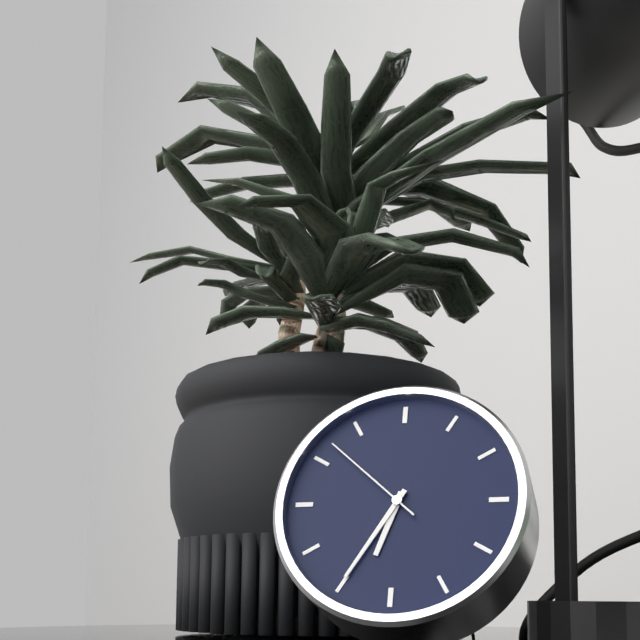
6:35:52
